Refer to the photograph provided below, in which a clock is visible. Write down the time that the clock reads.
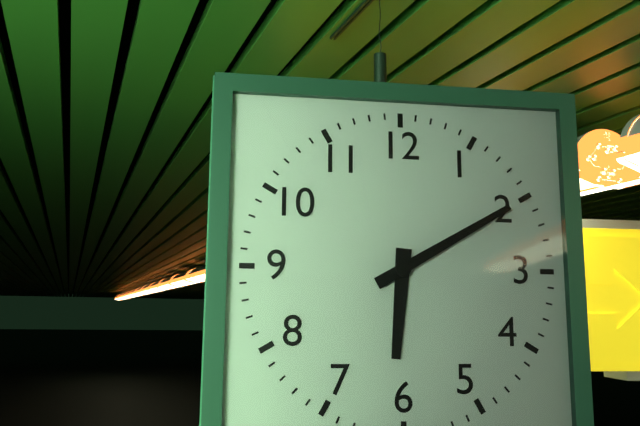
6:10
